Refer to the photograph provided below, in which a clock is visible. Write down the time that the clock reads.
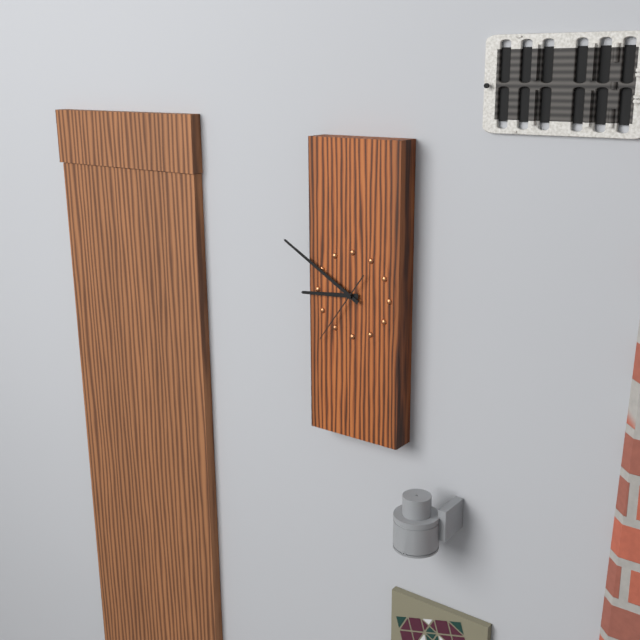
8:50:36
